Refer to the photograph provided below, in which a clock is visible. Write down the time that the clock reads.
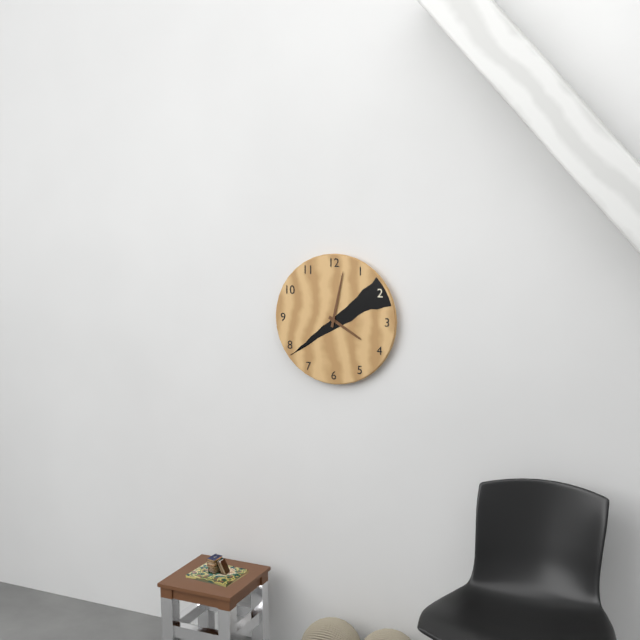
4:02
